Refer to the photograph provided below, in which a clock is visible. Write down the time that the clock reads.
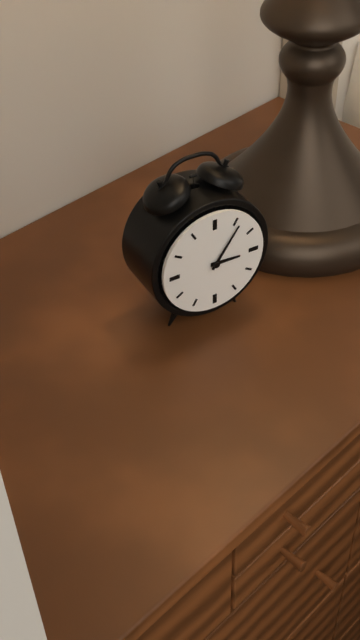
3:06
